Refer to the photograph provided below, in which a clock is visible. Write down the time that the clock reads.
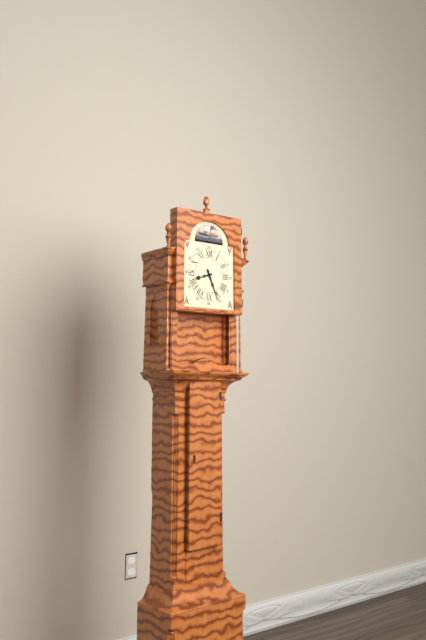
8:26
